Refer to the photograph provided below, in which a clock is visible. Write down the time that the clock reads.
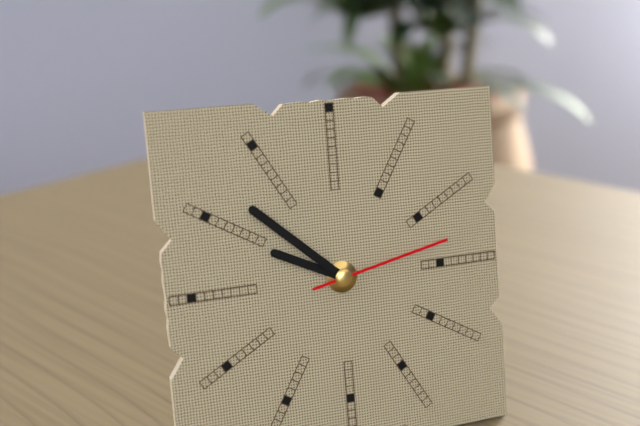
9:52:13
